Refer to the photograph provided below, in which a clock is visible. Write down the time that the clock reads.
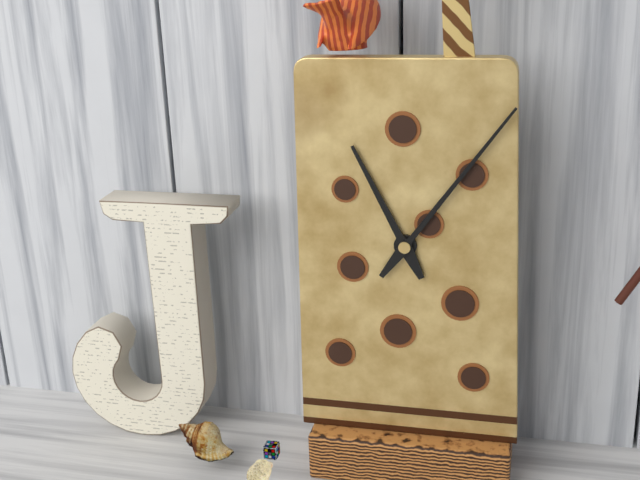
11:06
